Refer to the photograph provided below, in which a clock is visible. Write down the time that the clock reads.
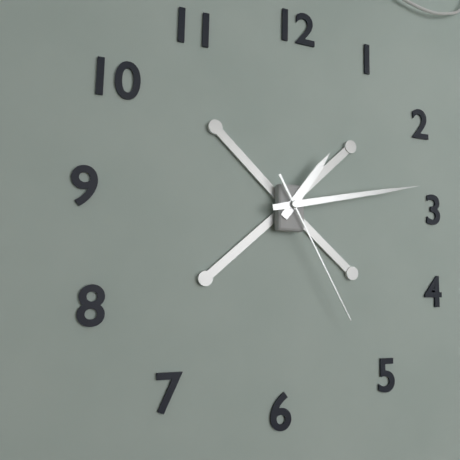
1:13:25
